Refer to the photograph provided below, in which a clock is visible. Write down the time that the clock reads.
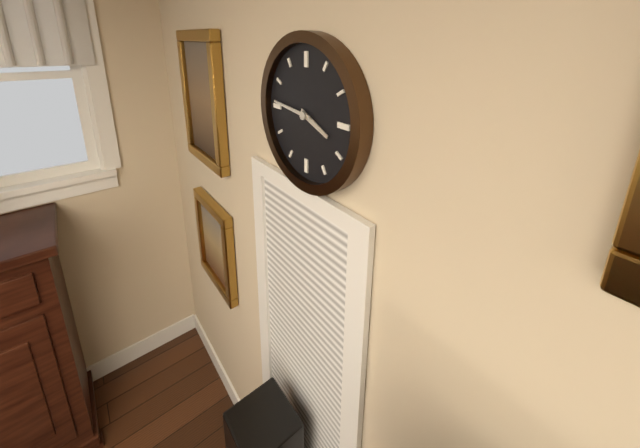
3:46
